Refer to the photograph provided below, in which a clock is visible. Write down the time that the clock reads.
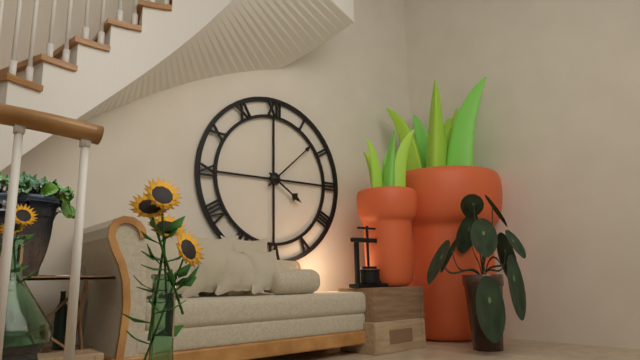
4:08
